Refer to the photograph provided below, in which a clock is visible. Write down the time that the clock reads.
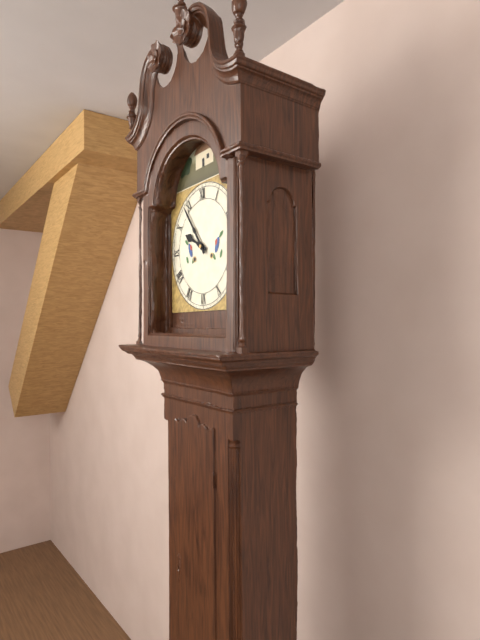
9:54
